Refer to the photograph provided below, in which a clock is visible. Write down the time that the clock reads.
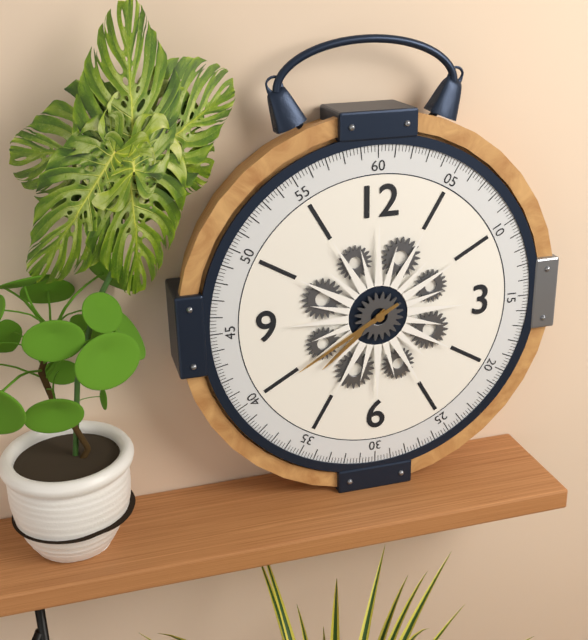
7:40
